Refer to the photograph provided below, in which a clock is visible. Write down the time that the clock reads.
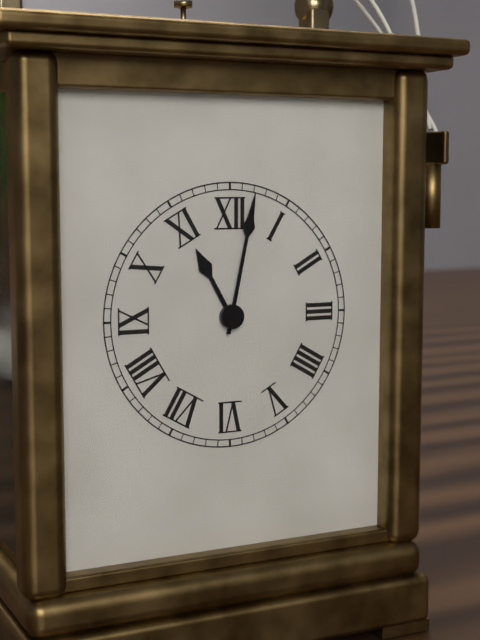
11:02
